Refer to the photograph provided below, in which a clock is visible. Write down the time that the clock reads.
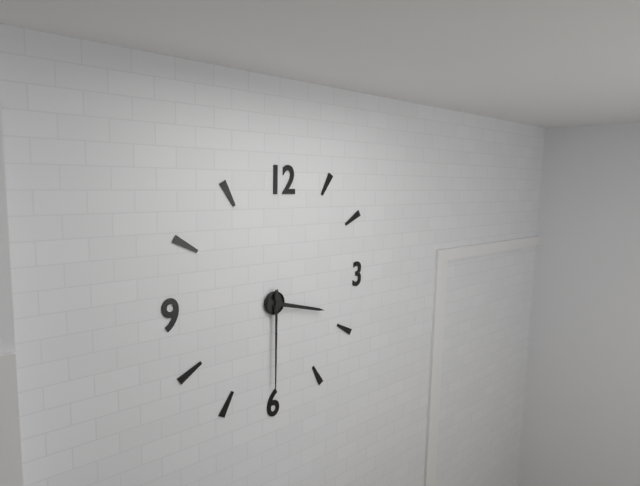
3:30
